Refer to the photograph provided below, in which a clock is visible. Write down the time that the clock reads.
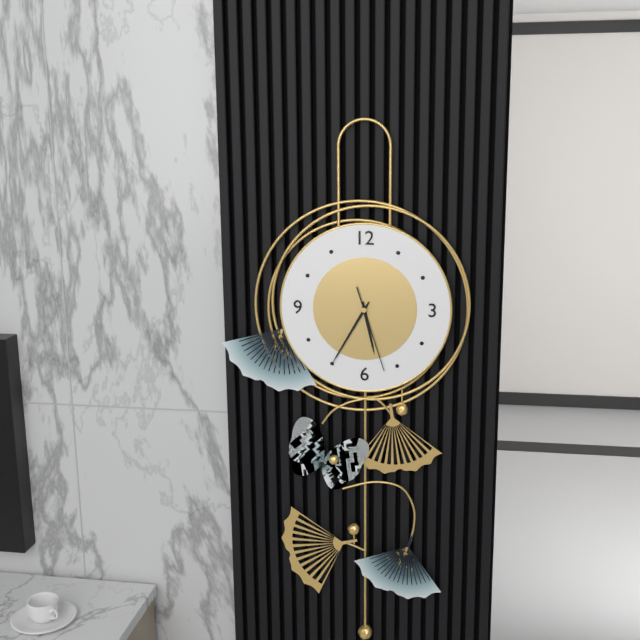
5:35:27
